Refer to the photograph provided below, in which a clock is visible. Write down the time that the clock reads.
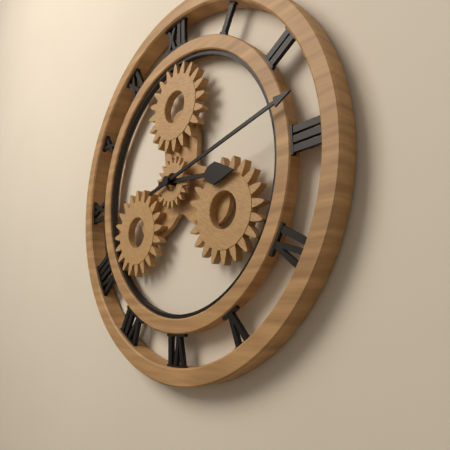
3:13
